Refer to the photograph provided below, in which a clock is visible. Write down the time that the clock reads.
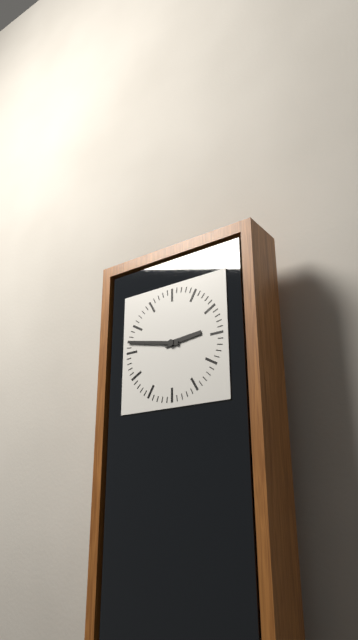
2:47
